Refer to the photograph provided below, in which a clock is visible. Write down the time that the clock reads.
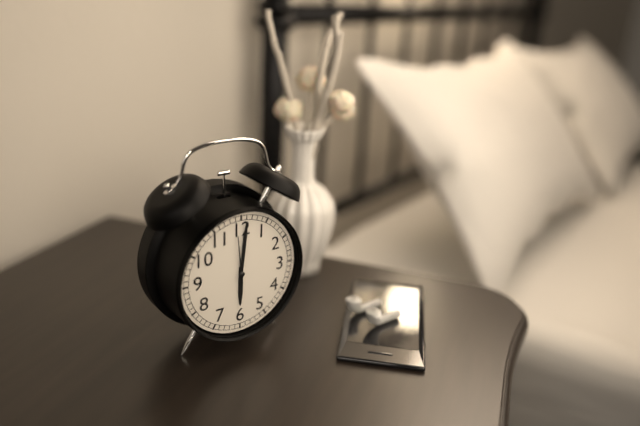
6:01
